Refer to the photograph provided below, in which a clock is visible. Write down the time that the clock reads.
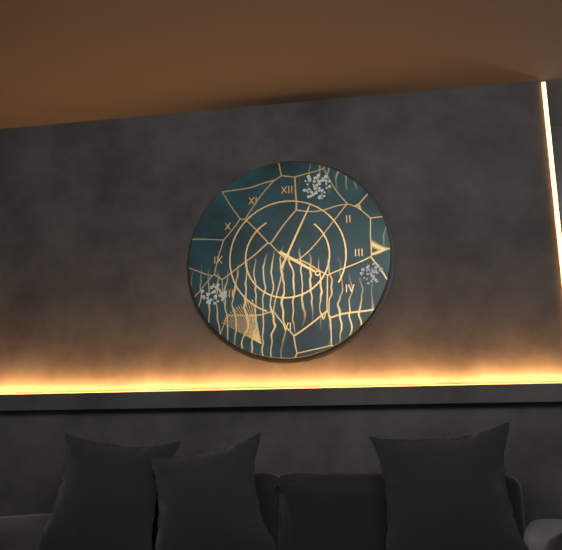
4:04
